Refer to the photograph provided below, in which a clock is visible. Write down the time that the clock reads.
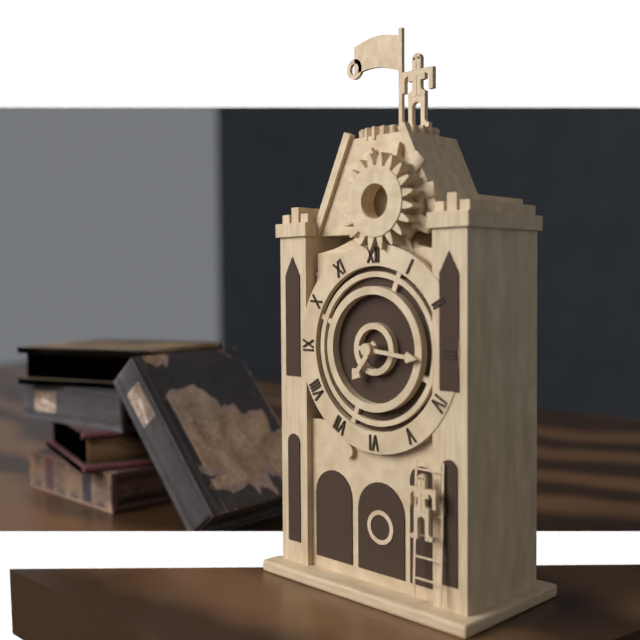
7:16
